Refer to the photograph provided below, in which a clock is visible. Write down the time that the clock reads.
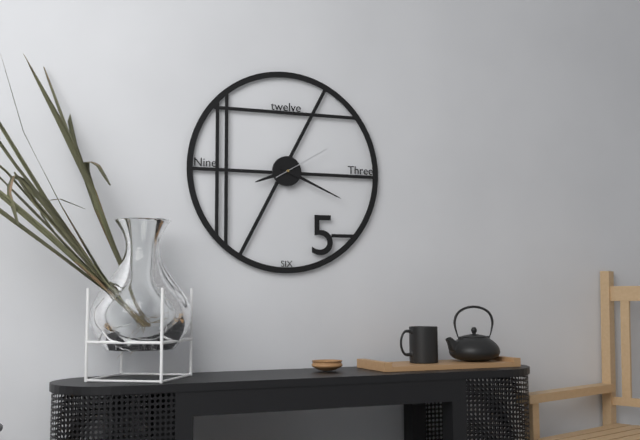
8:19:10
